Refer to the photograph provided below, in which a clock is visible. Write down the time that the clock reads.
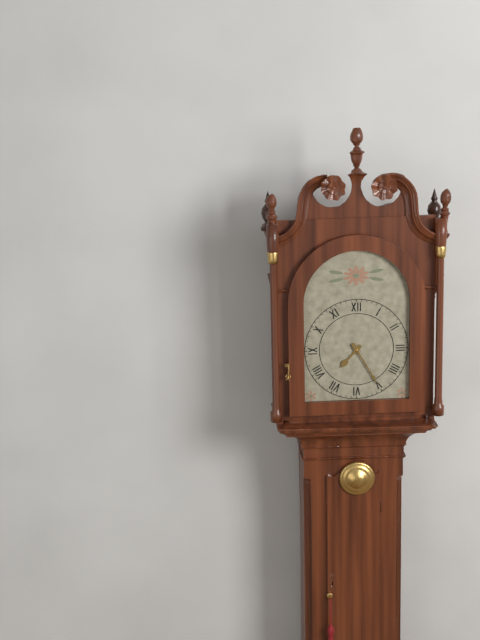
7:25
